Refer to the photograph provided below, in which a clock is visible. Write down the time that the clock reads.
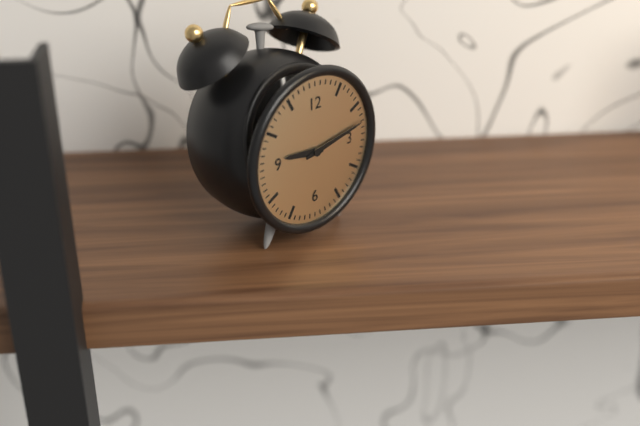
9:13
